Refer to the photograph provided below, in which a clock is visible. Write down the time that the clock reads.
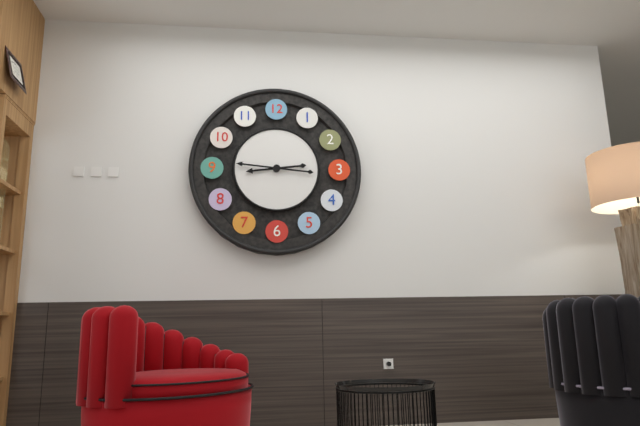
8:46
